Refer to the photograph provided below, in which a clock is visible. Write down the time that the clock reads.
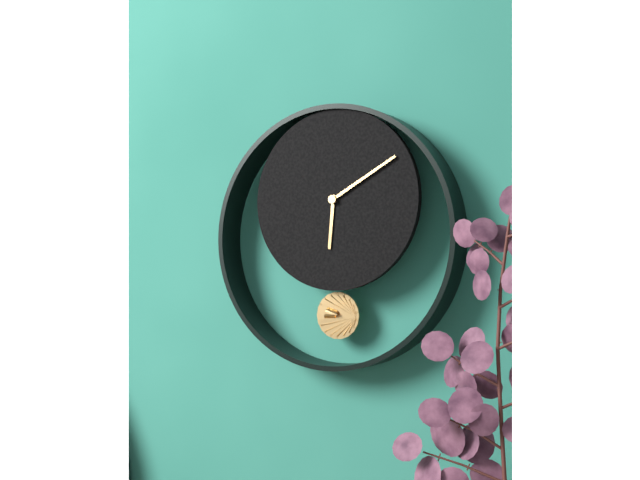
6:10
